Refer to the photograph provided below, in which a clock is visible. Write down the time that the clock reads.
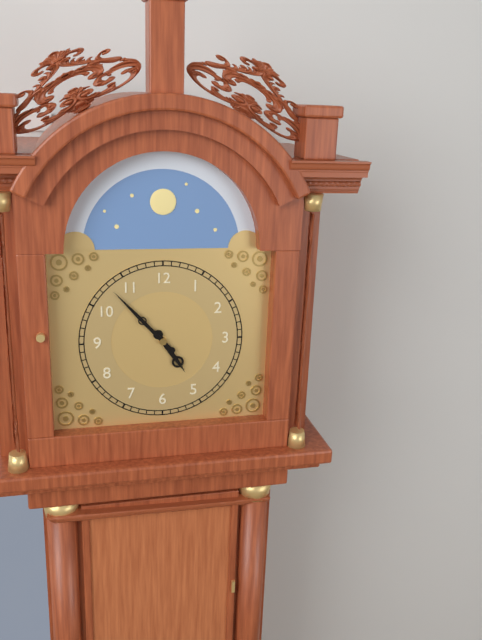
4:53
